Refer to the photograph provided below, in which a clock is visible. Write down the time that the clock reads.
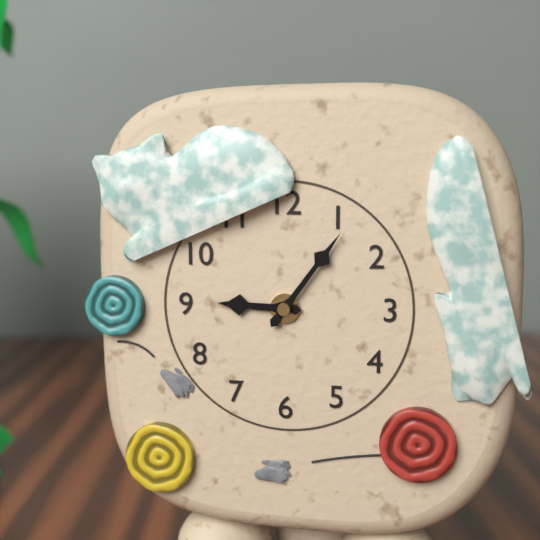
9:06
